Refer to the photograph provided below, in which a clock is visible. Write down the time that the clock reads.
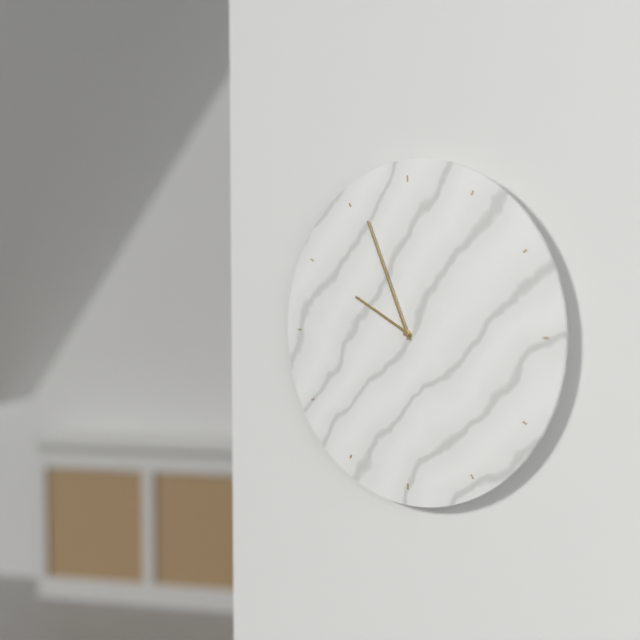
9:56
